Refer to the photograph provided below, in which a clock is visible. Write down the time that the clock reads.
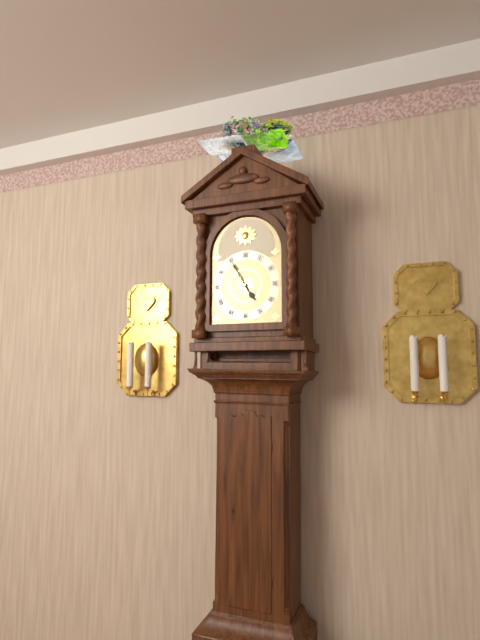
4:55
